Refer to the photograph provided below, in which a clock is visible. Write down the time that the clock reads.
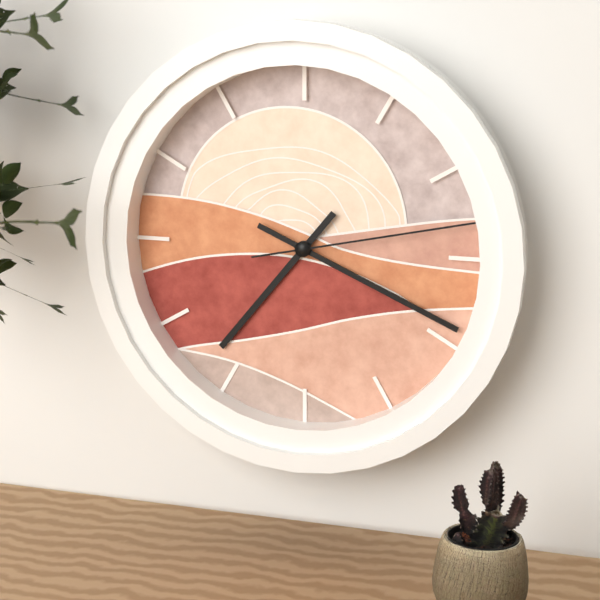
7:19:13
